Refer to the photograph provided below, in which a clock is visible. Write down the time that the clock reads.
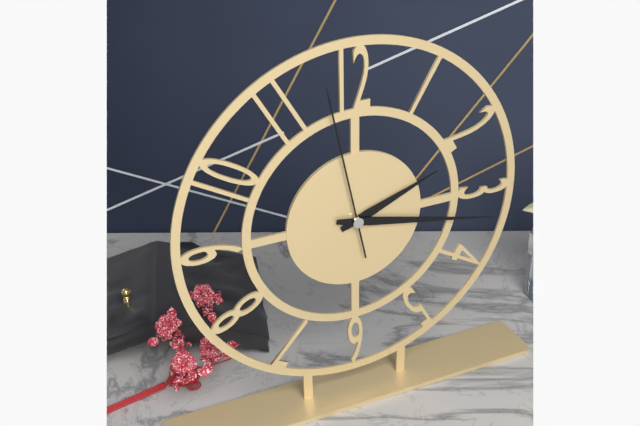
2:17:58
